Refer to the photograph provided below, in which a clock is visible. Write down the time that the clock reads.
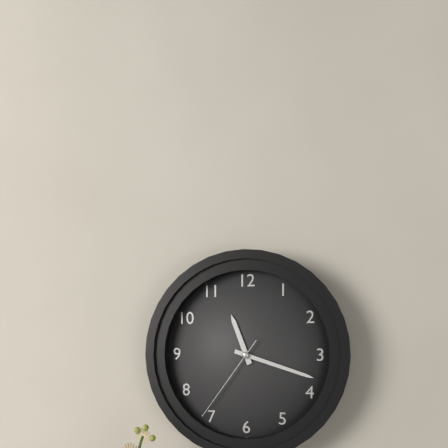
11:18:36
